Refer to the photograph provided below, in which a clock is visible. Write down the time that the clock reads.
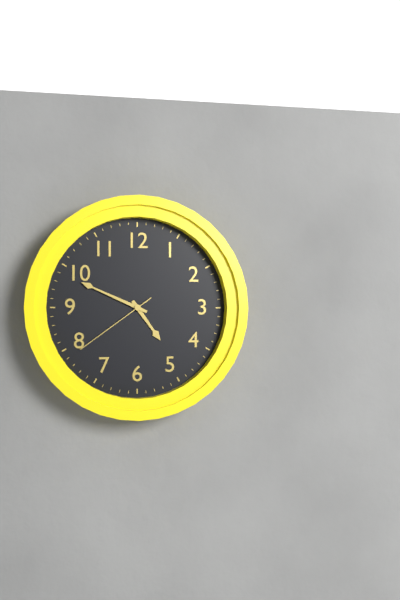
4:49:39
